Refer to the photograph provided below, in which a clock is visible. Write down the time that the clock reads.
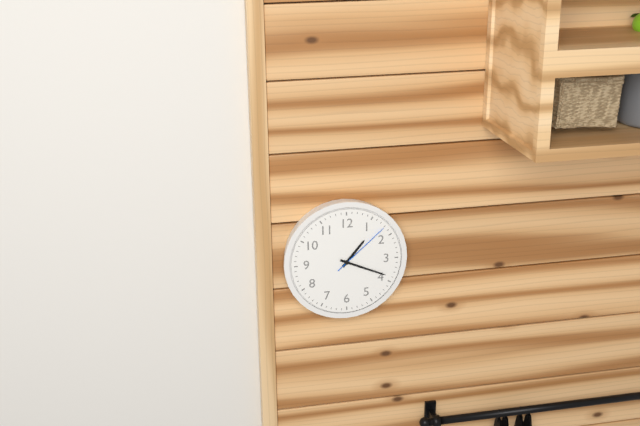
1:19:08
